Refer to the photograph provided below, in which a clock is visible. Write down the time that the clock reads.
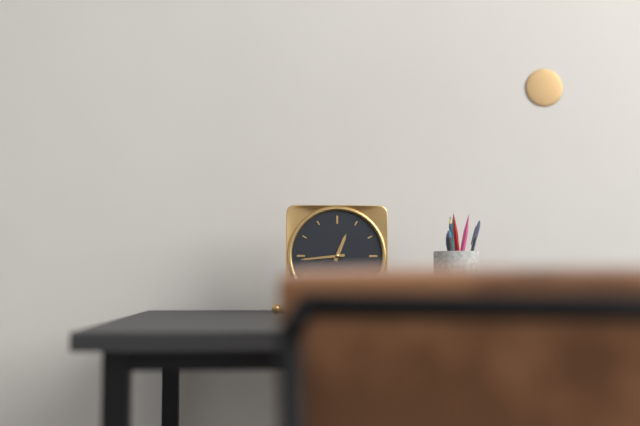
12:44
